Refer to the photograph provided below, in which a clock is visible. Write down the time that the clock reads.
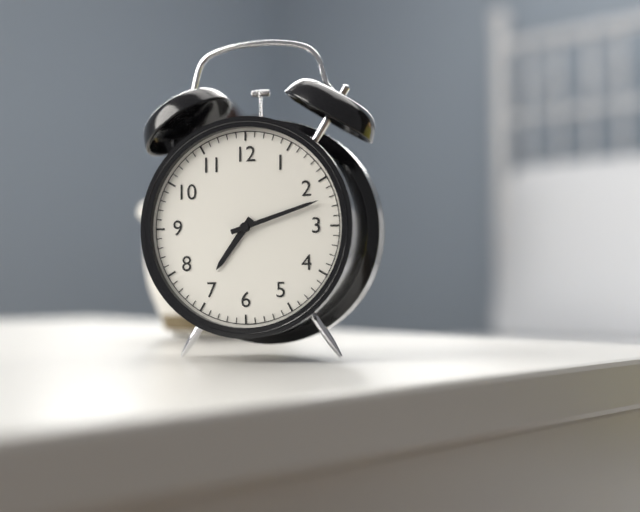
7:12
